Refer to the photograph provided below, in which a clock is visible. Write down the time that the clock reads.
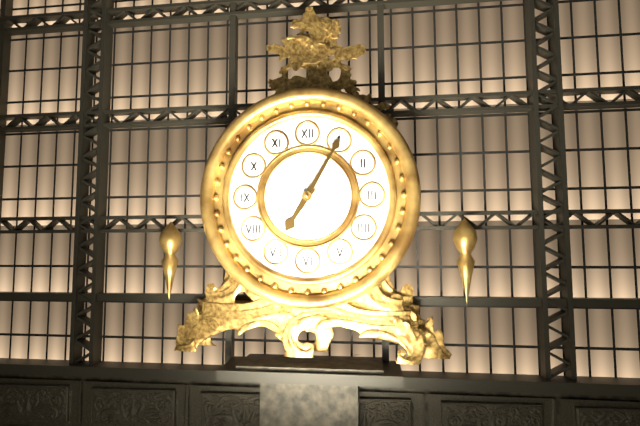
7:05
